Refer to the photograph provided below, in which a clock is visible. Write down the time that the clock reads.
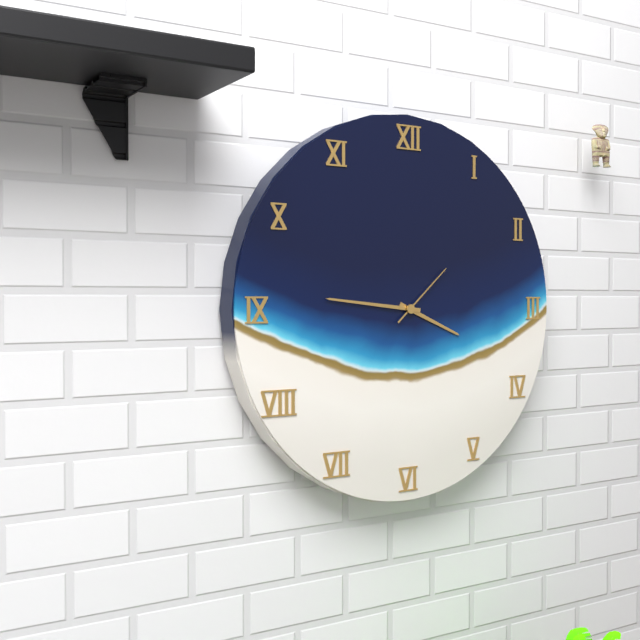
3:46:08
